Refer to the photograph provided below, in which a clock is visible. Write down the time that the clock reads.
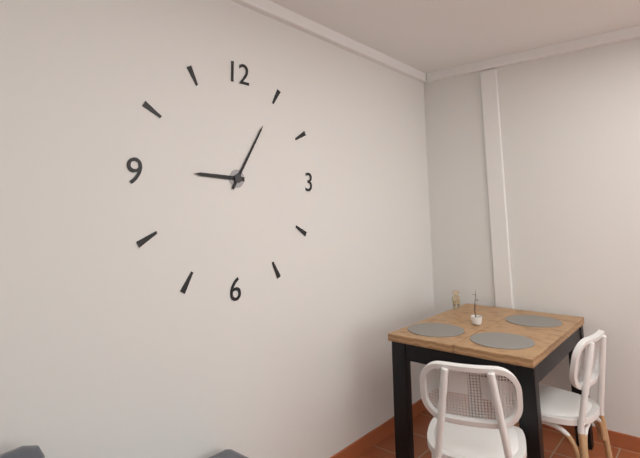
9:05
